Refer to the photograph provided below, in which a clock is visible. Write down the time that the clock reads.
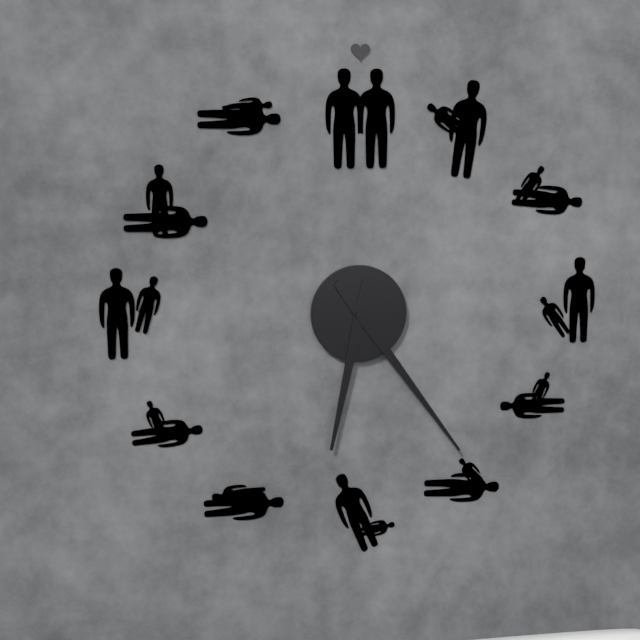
6:24
